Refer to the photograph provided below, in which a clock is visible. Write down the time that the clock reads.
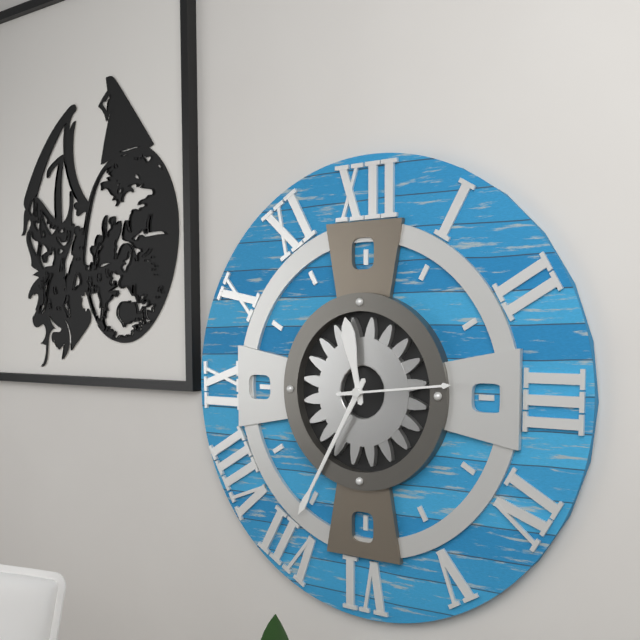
11:35:14
